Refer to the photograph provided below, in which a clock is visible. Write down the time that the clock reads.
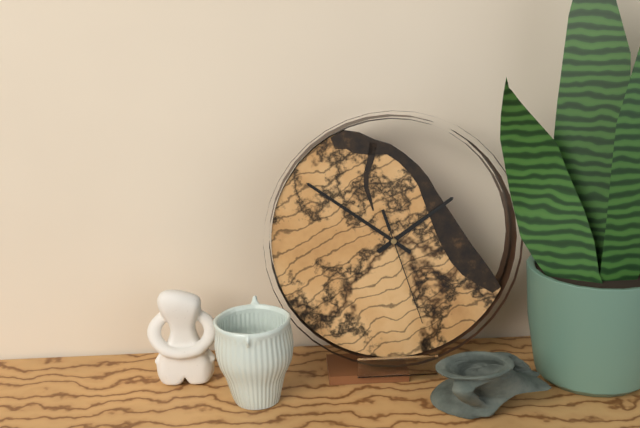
1:51:27
